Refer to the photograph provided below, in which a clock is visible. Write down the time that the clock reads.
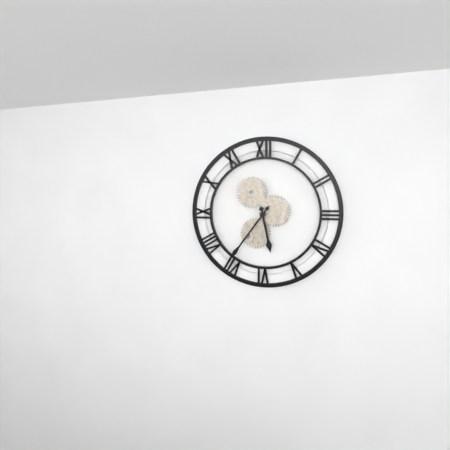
5:36
